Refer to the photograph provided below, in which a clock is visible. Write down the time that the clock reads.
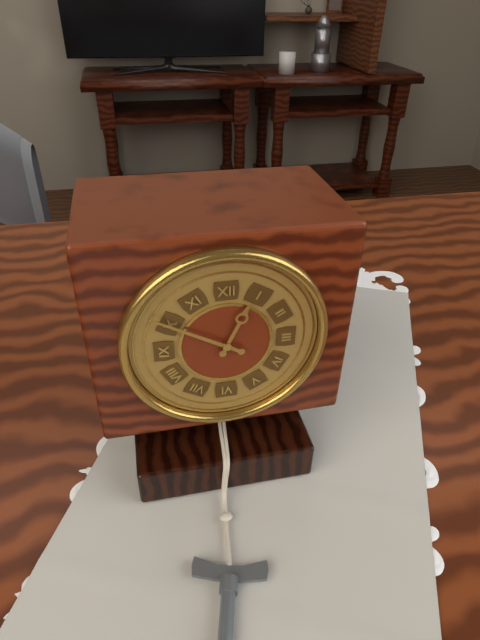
12:50
